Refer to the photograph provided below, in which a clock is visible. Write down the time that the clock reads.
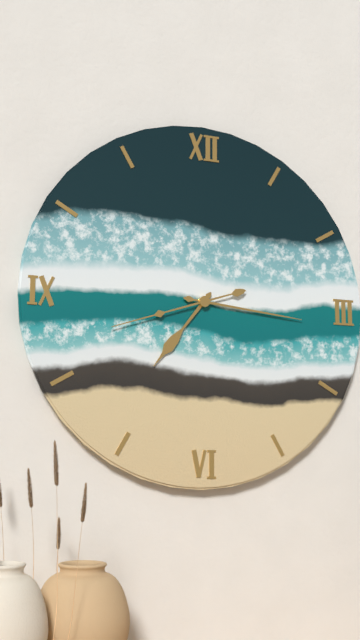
7:16:42
